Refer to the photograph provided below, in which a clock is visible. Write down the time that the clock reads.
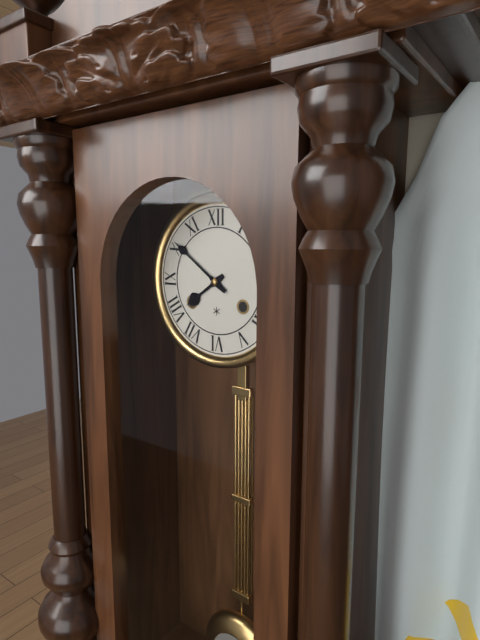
7:51
